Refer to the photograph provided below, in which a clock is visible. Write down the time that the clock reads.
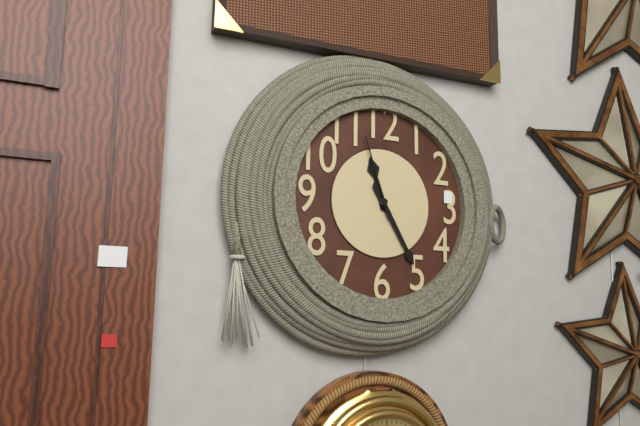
11:25:57
